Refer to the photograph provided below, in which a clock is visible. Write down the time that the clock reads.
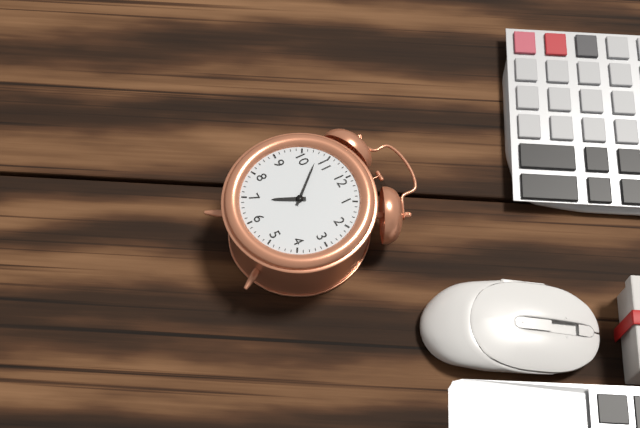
6:53
